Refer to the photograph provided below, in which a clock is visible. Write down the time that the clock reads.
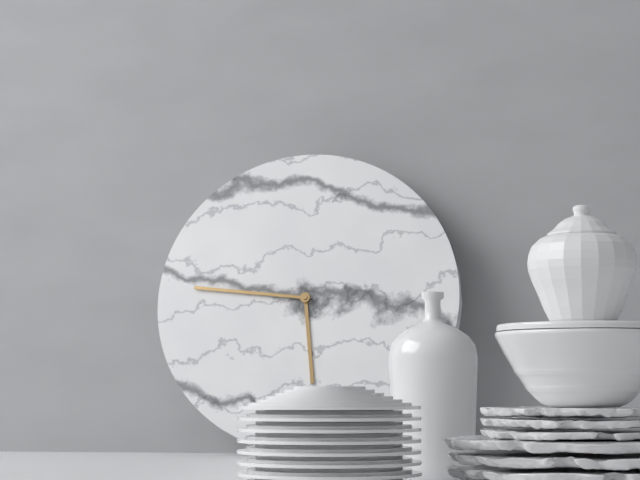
5:46
